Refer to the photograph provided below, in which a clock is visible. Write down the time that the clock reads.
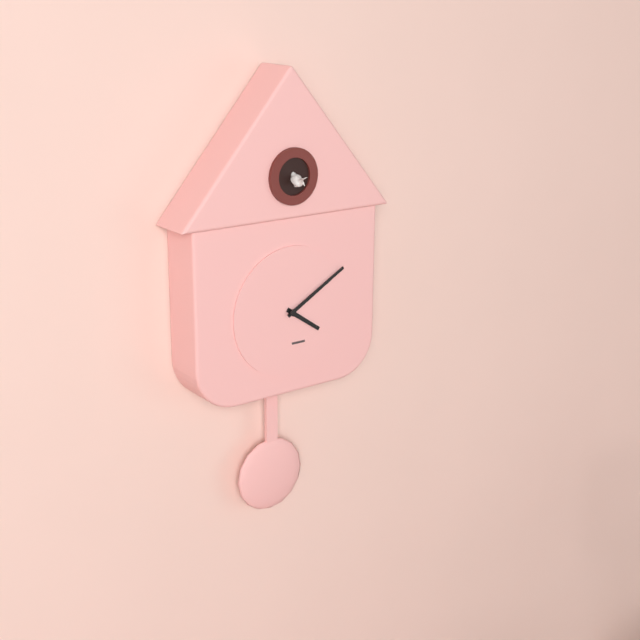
4:10
